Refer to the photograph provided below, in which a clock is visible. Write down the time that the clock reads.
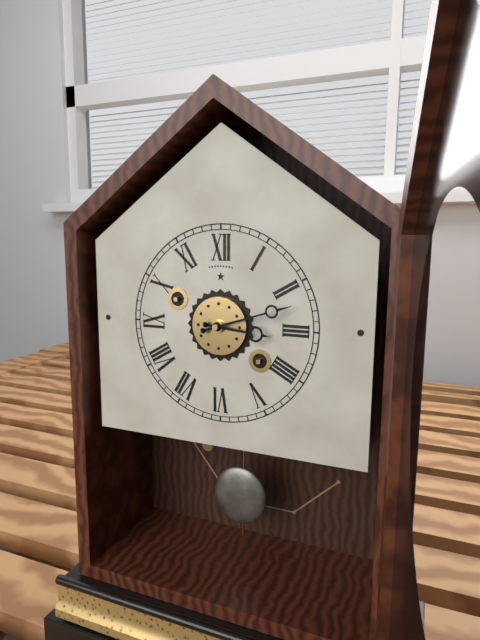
3:12
